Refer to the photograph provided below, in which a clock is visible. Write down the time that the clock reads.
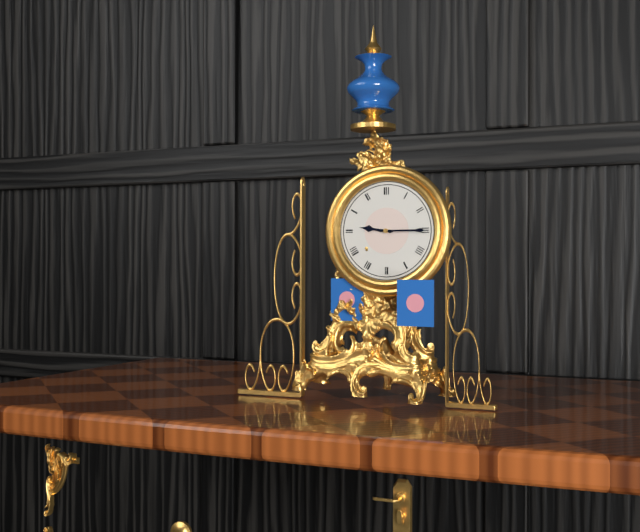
9:15
